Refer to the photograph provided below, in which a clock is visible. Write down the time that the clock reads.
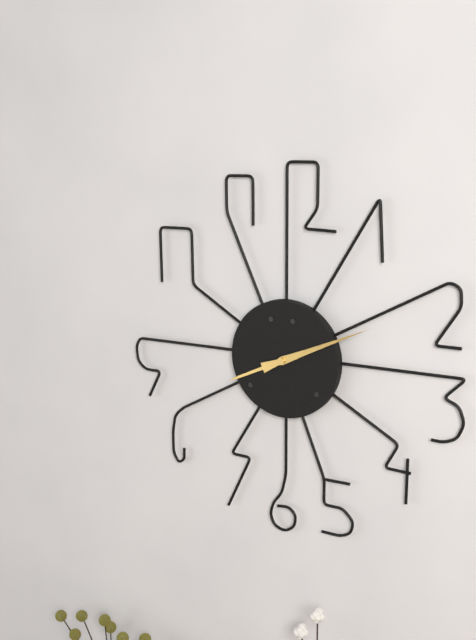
8:11
